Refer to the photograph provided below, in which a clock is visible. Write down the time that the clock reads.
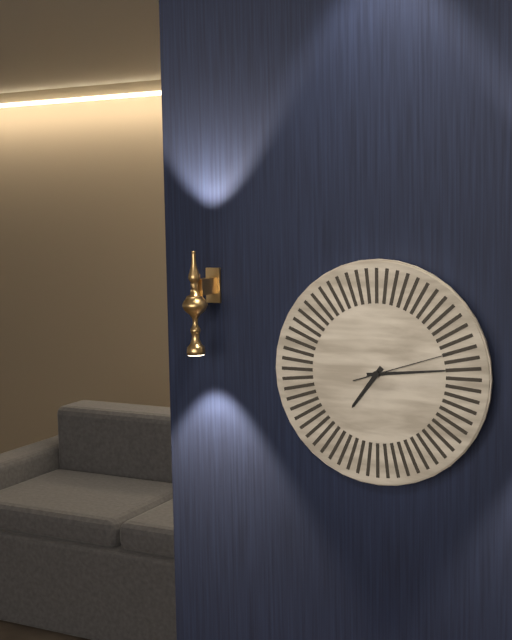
7:14:12
